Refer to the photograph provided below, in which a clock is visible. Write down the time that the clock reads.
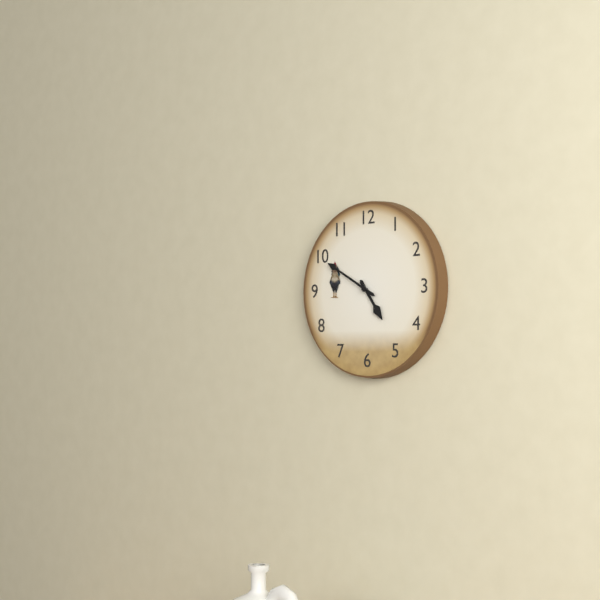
4:50
